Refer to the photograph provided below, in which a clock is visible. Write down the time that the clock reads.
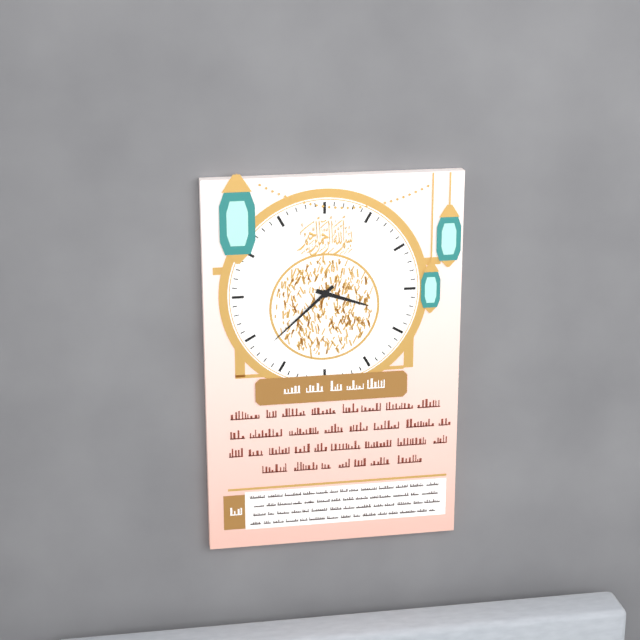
3:38
